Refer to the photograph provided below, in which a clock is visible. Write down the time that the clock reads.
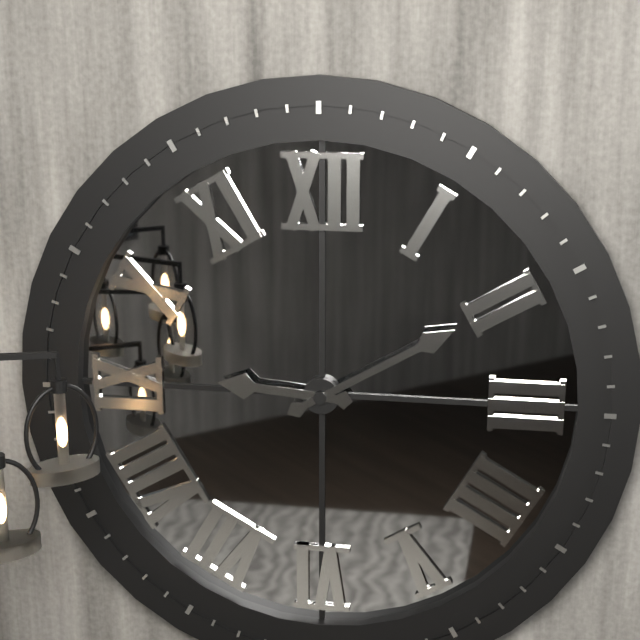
9:10
